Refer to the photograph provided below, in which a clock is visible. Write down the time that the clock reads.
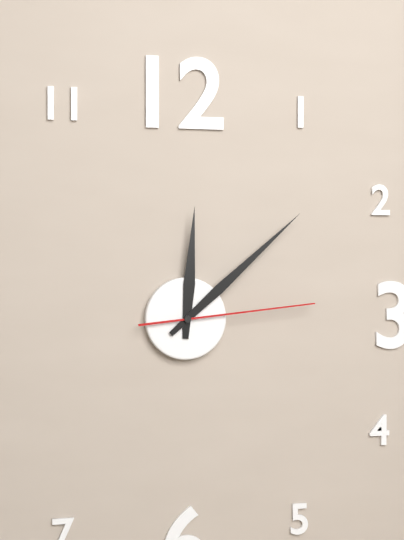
12:08:14
